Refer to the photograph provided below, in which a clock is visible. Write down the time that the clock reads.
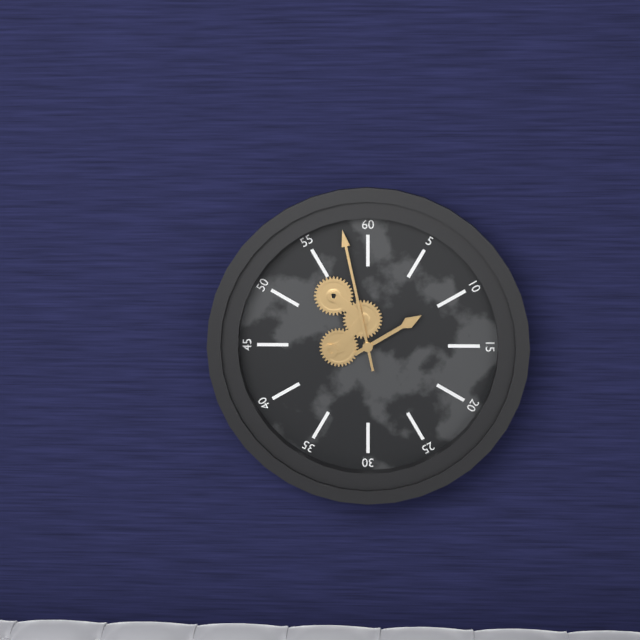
1:58
